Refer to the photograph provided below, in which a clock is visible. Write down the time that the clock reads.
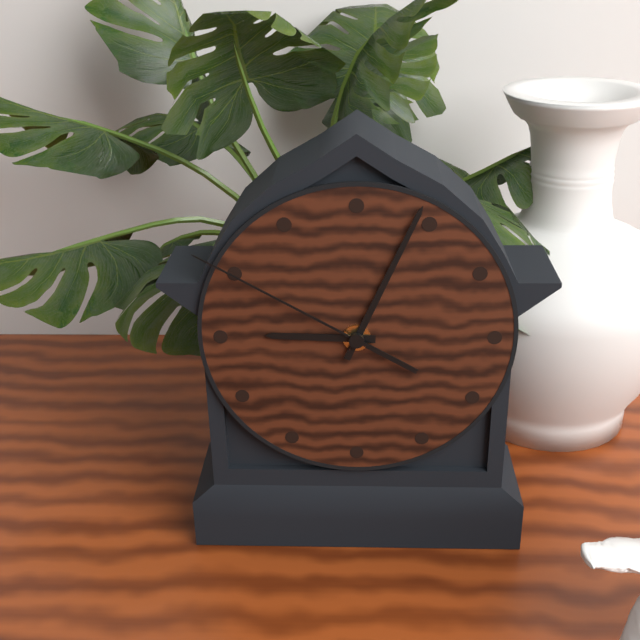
9:04:50
